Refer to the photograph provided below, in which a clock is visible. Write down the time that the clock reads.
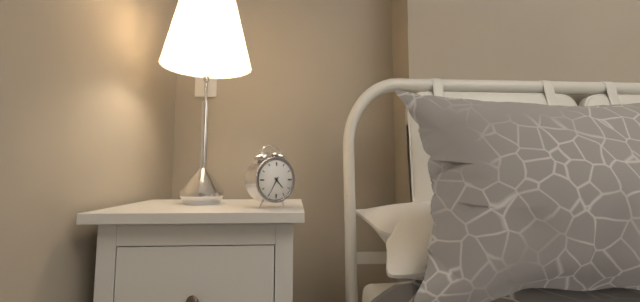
4:35
